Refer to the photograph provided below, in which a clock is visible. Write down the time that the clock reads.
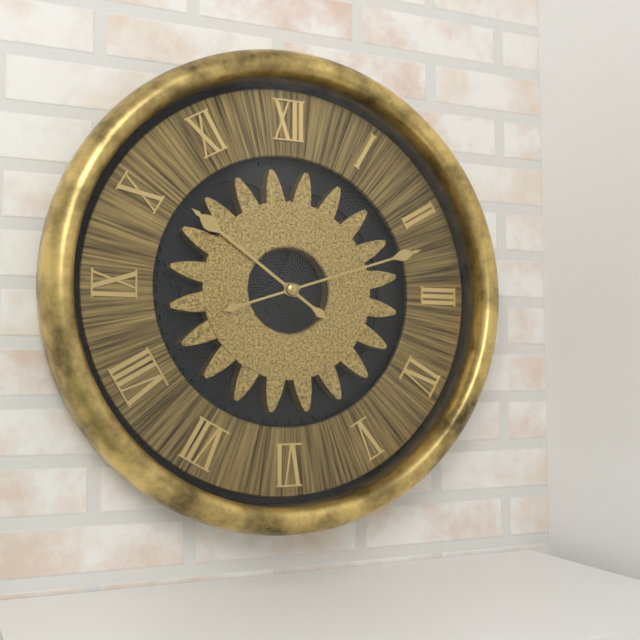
10:12
